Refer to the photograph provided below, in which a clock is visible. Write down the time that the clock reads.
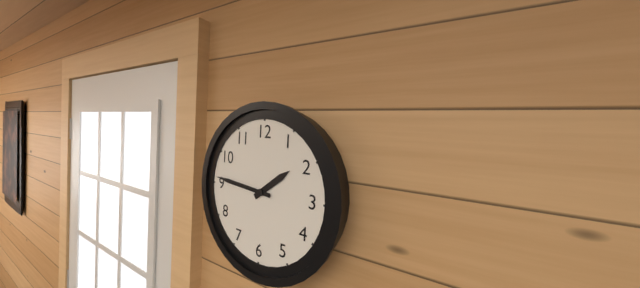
1:46
